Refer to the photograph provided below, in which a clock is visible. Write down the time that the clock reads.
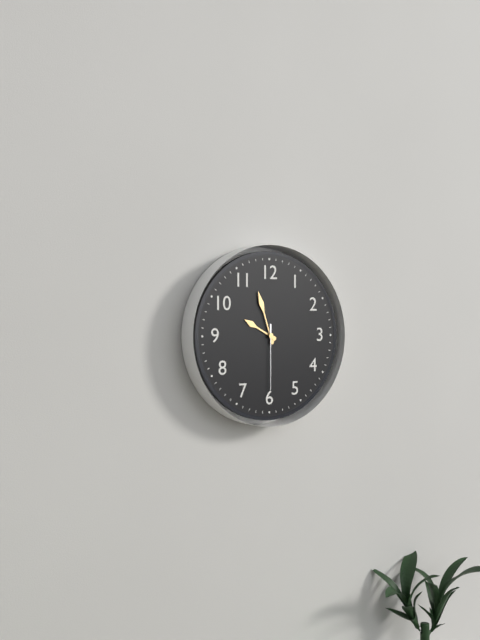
9:57:30
